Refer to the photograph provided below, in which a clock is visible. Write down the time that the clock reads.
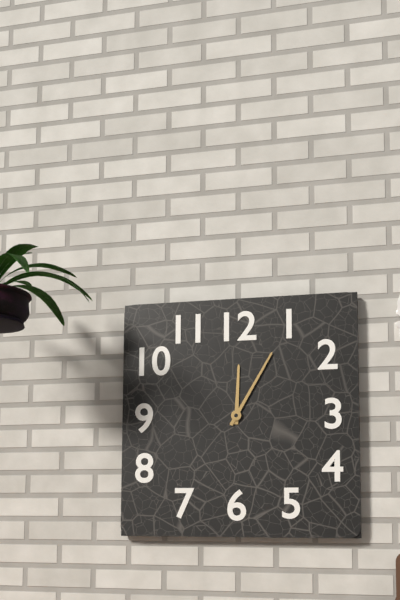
12:05
